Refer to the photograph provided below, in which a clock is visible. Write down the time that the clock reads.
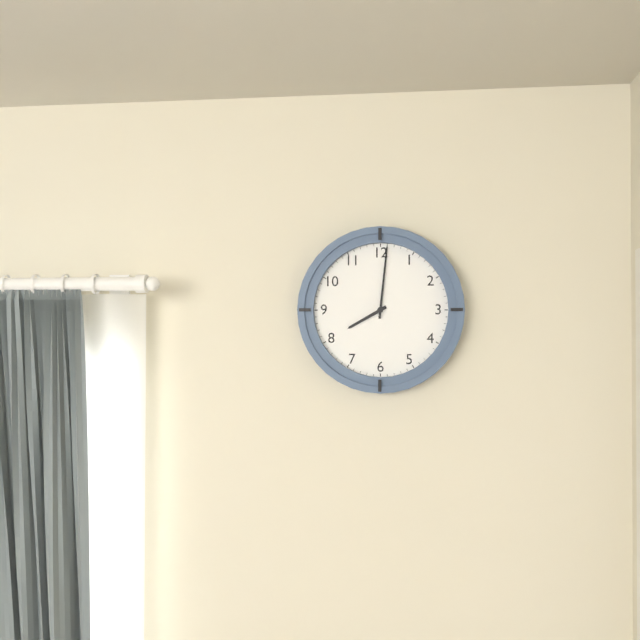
8:01
